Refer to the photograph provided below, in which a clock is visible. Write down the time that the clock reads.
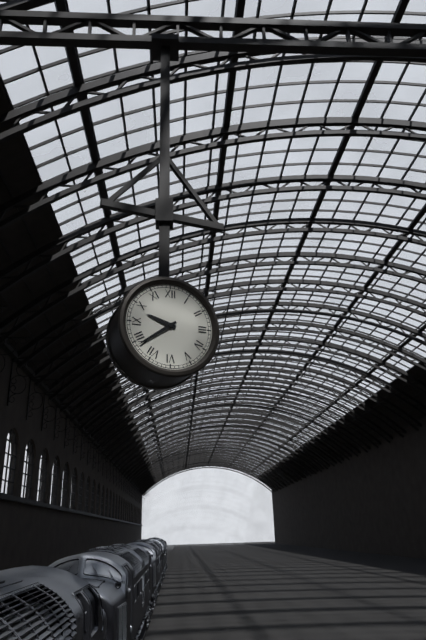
9:39
